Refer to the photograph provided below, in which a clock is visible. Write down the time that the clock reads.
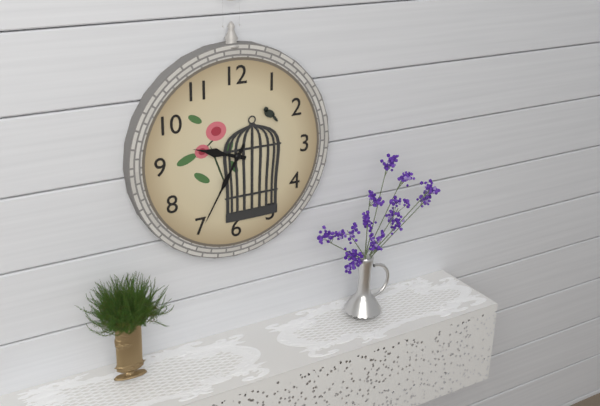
9:35
